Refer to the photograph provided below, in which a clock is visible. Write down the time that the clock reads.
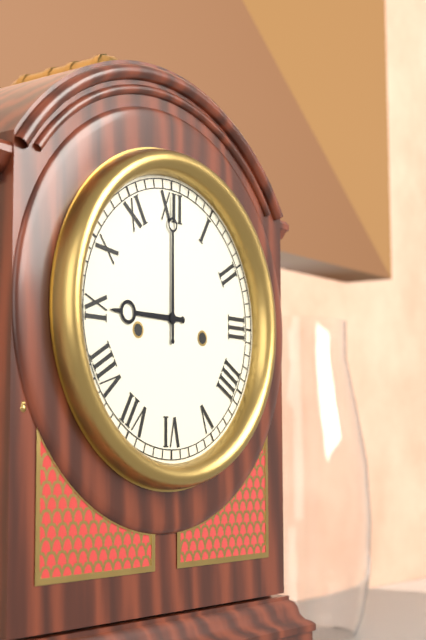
9:00
